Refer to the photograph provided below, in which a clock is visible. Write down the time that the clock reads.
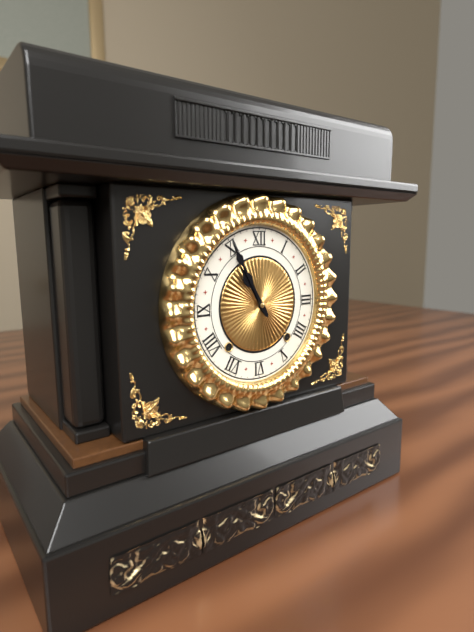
10:55
